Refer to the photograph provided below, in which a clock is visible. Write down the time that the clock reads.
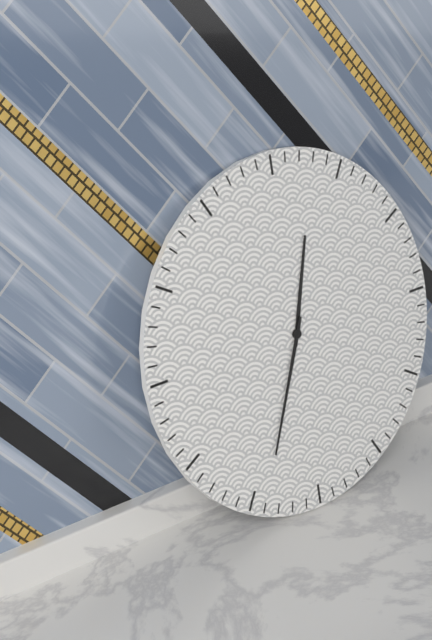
12:34
